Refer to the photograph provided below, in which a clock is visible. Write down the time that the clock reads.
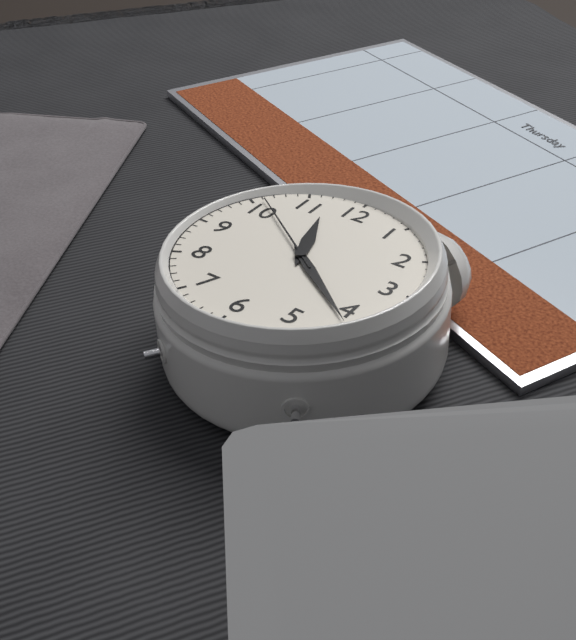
11:21:51
